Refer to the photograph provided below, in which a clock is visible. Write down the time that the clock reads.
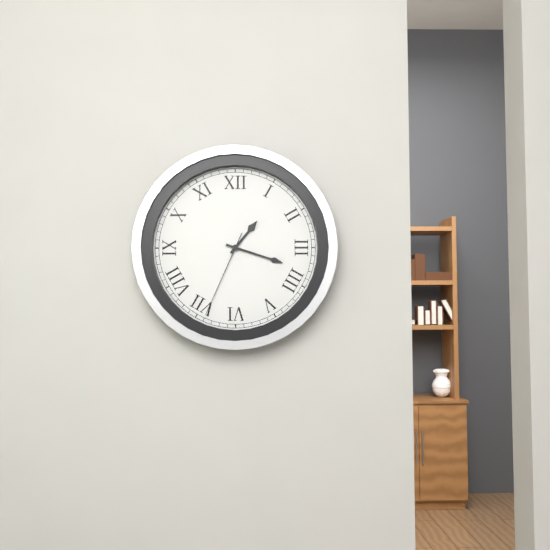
1:18:34
